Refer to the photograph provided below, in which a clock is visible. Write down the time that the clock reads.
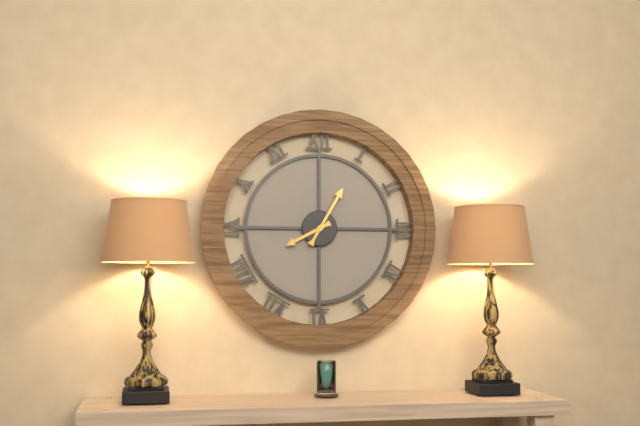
8:05
